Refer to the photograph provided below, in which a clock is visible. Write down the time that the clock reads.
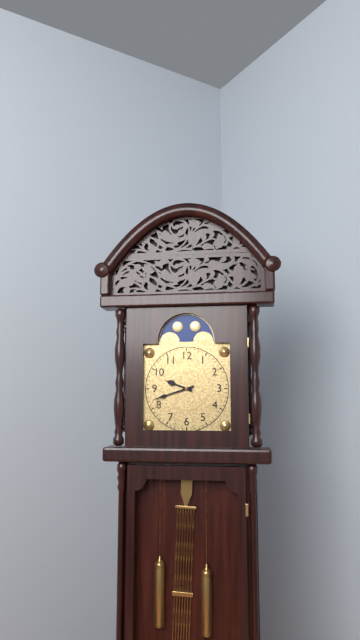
9:42
